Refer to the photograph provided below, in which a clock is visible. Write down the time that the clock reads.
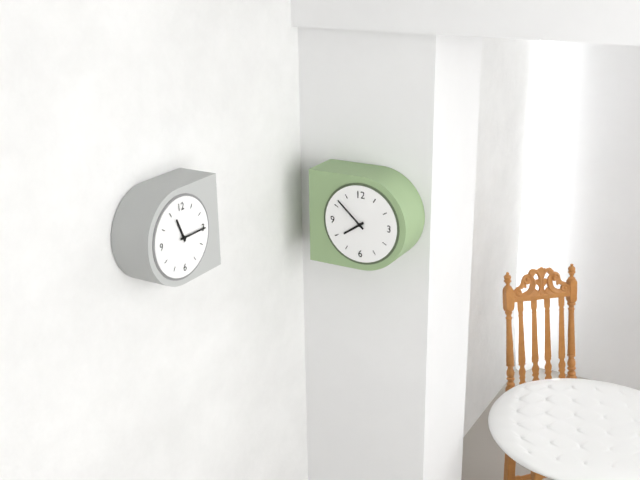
7:52
